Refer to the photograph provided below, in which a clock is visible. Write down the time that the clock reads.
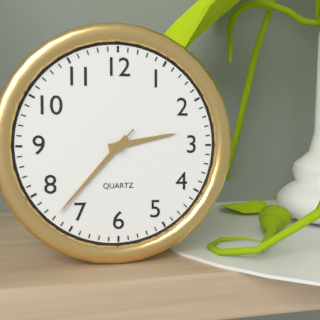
2:37:37
